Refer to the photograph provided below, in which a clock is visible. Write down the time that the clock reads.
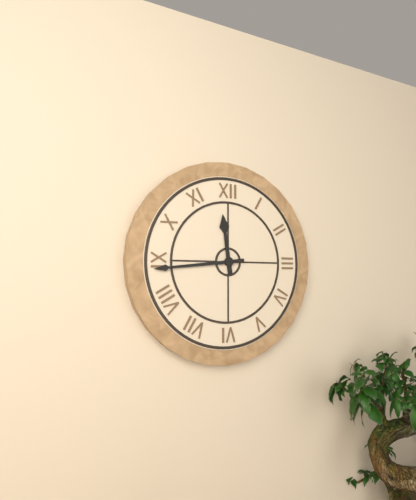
11:44
